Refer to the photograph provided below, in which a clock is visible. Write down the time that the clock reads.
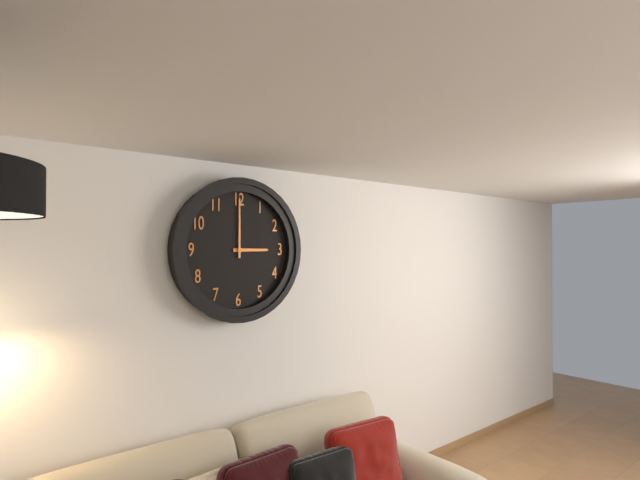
3:00
